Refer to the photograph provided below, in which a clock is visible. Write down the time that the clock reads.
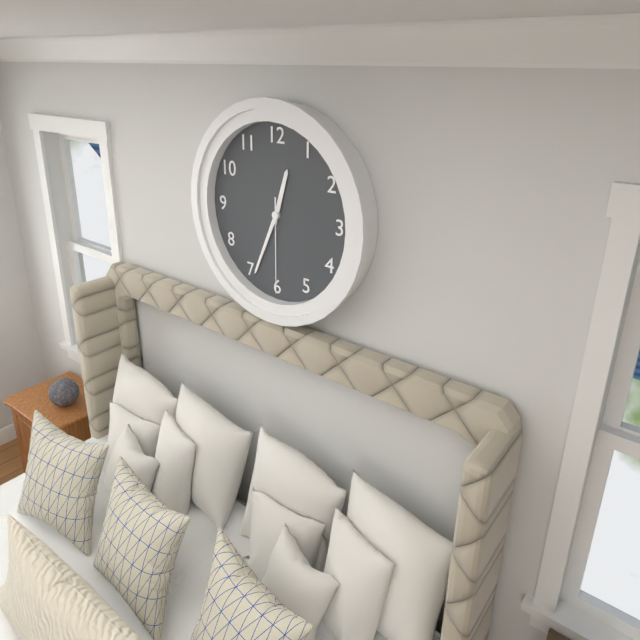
12:34:30
